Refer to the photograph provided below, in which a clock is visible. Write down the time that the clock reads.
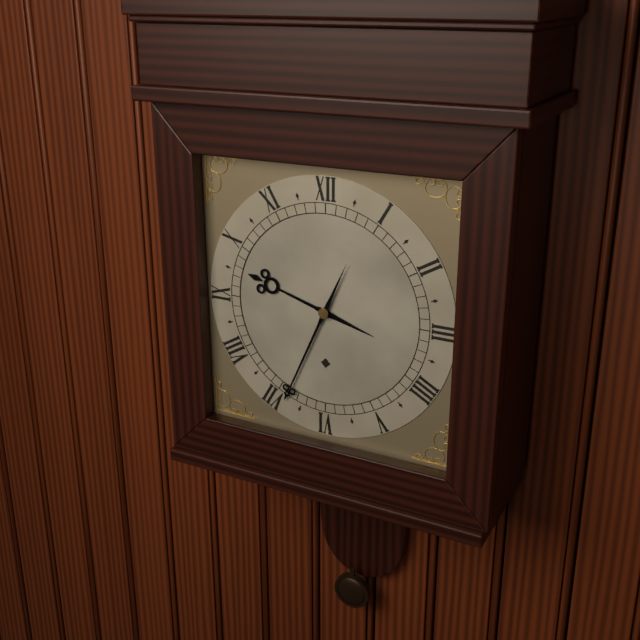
9:34
